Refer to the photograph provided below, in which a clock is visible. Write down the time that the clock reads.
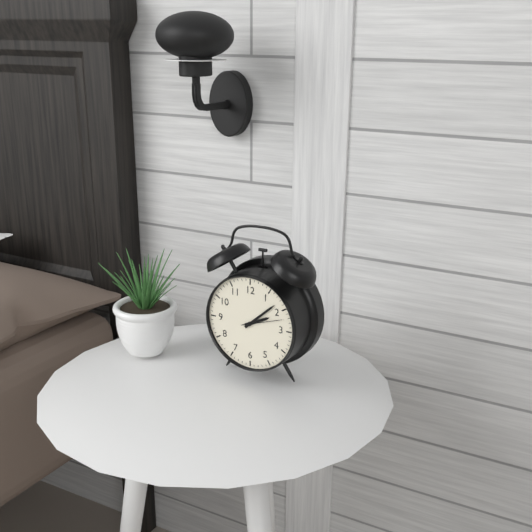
2:08
